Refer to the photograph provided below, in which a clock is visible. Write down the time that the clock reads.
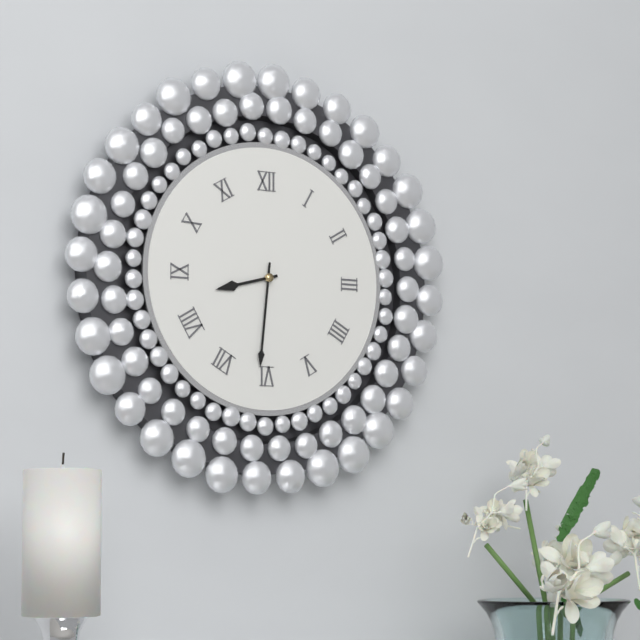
8:31
